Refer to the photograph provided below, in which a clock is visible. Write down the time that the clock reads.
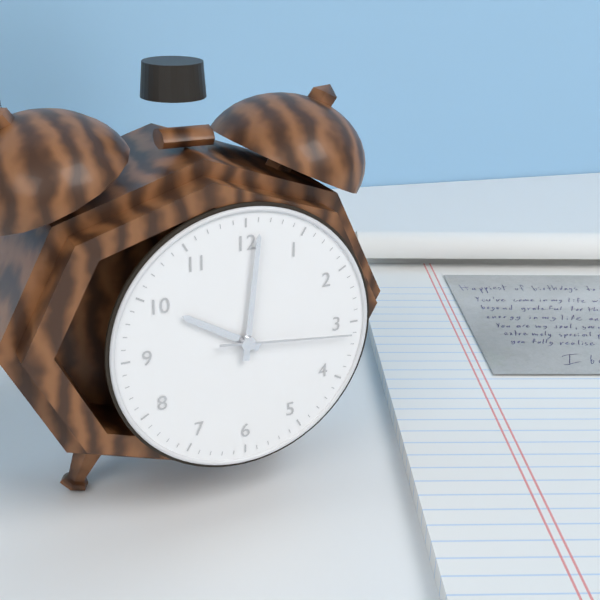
10:01:16
